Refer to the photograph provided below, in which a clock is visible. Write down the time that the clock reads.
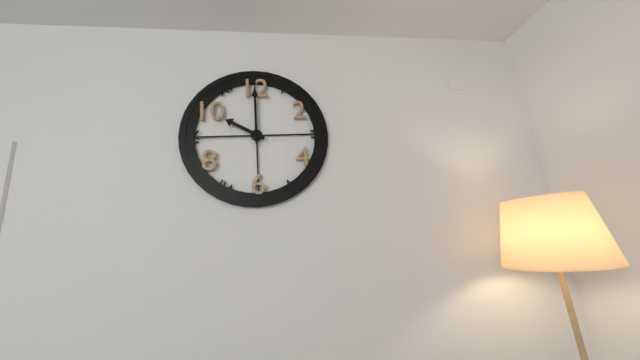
10:00
